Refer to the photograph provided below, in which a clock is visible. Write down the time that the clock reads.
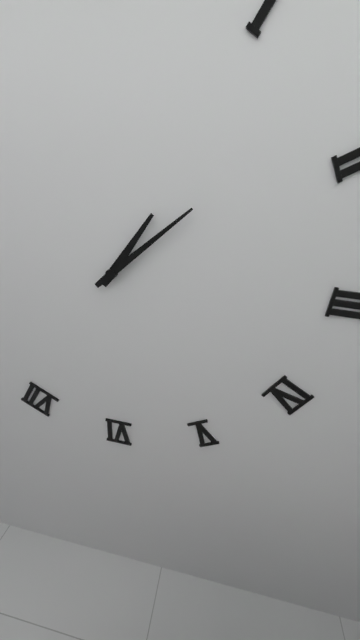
1:08
